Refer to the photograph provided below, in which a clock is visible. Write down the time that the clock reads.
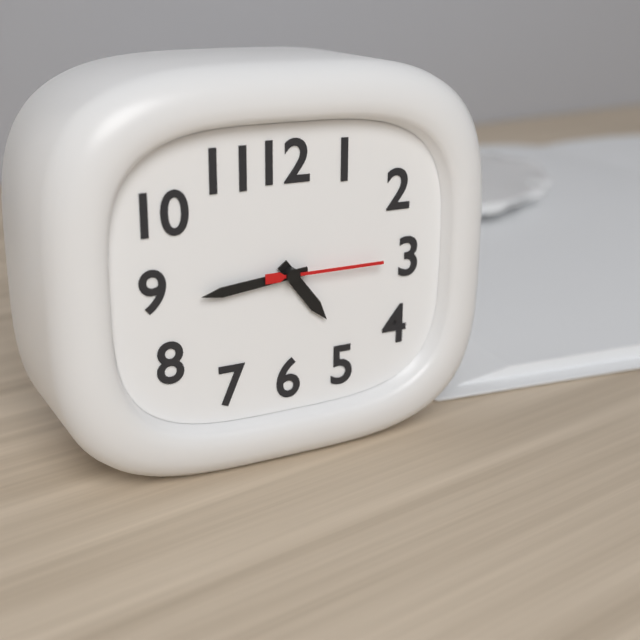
4:44:15
